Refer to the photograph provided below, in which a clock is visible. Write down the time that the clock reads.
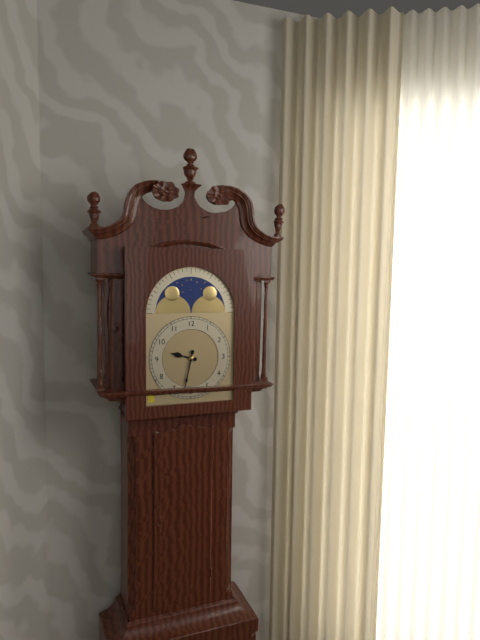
9:32
